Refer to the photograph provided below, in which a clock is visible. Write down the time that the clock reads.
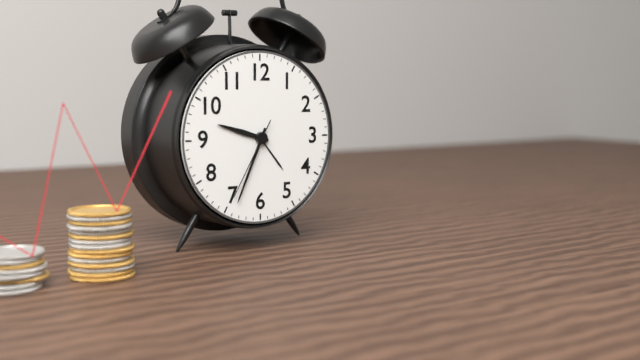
9:34:35
